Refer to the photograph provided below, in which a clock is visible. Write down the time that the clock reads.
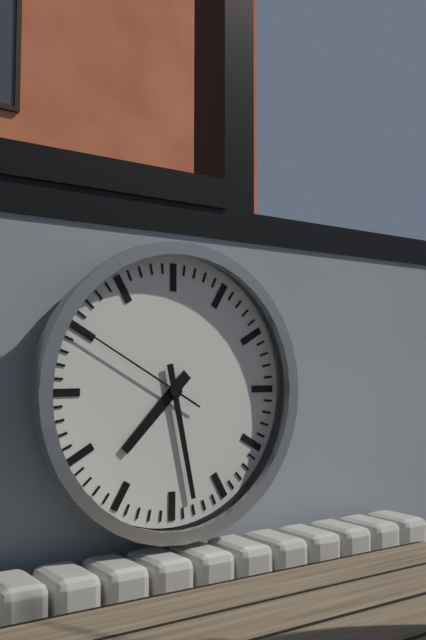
7:28:50
